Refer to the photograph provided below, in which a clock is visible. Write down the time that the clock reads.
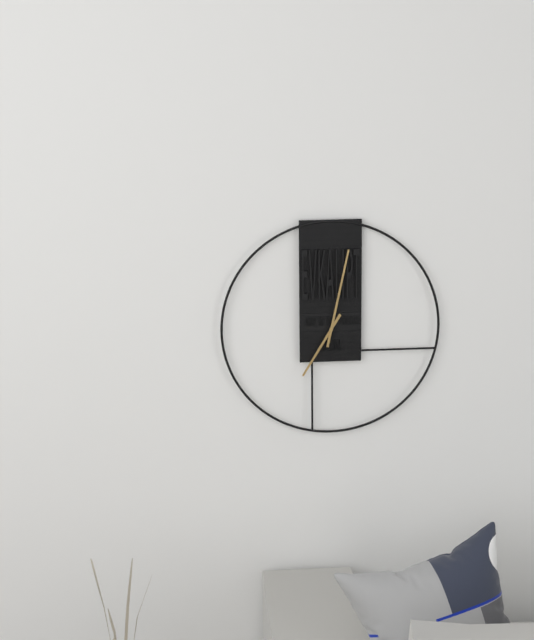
7:02
